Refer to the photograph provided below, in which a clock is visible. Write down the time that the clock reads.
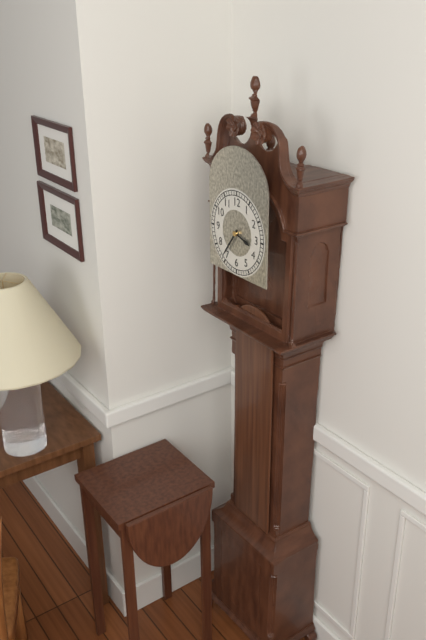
3:36
